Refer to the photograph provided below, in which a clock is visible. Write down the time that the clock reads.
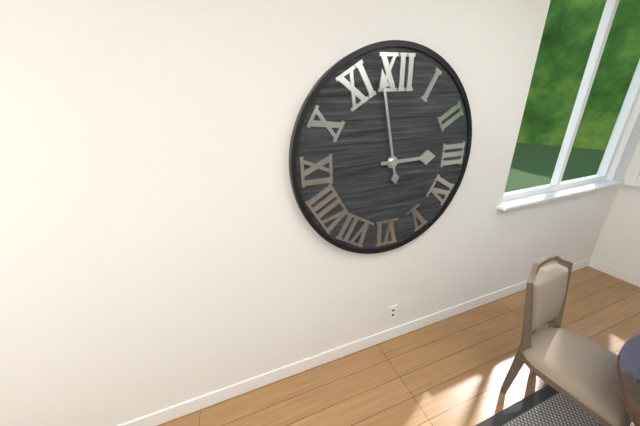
2:58
